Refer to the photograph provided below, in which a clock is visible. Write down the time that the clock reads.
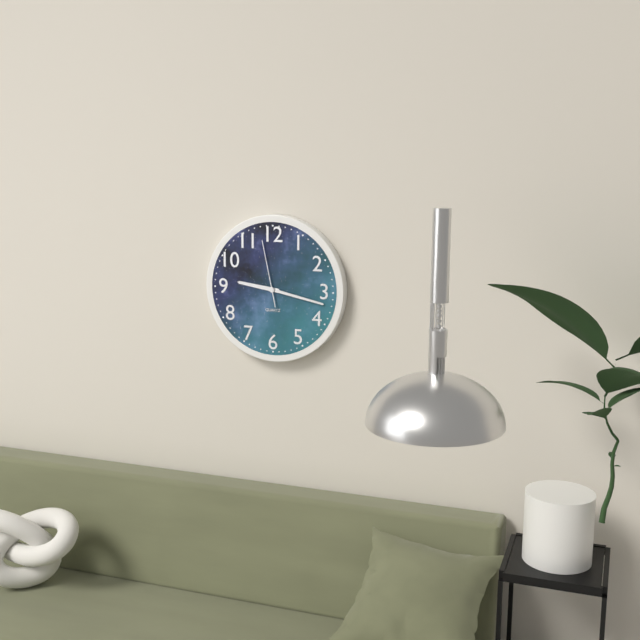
9:17:58
